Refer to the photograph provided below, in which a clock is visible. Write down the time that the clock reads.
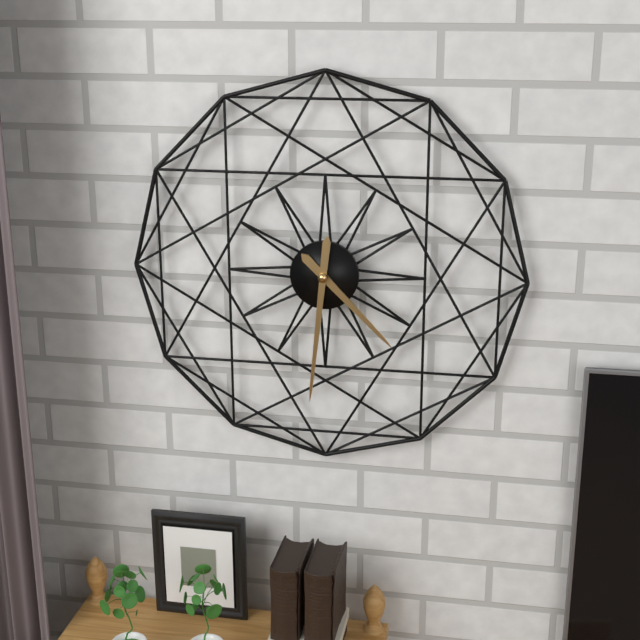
4:31
